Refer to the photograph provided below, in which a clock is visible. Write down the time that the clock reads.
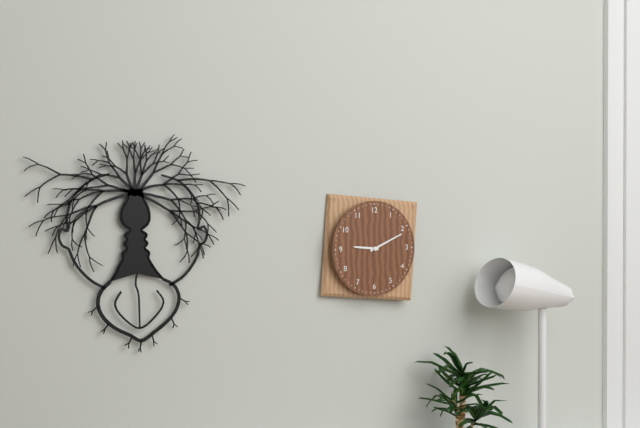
9:11
